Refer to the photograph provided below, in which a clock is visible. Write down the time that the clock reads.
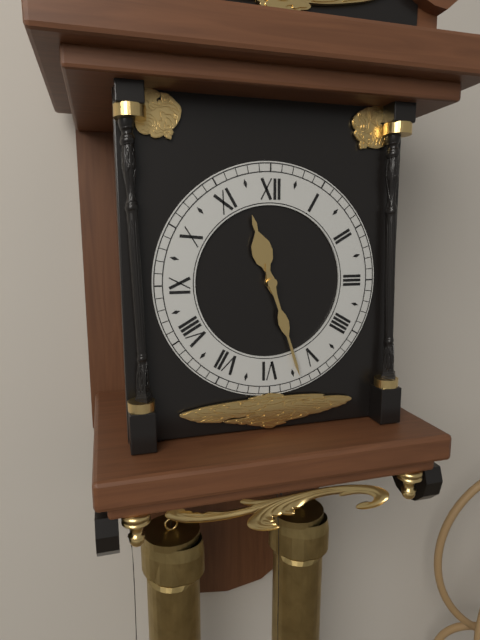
11:27
